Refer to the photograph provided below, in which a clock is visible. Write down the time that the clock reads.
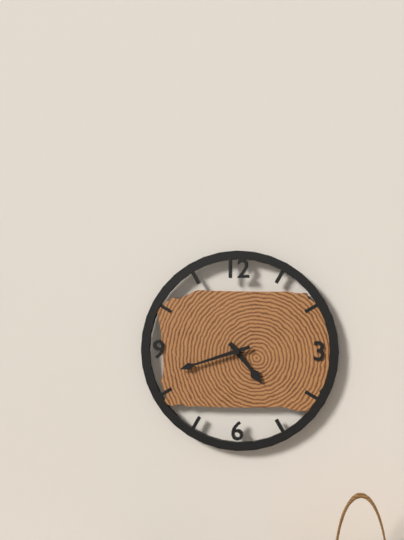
4:42
